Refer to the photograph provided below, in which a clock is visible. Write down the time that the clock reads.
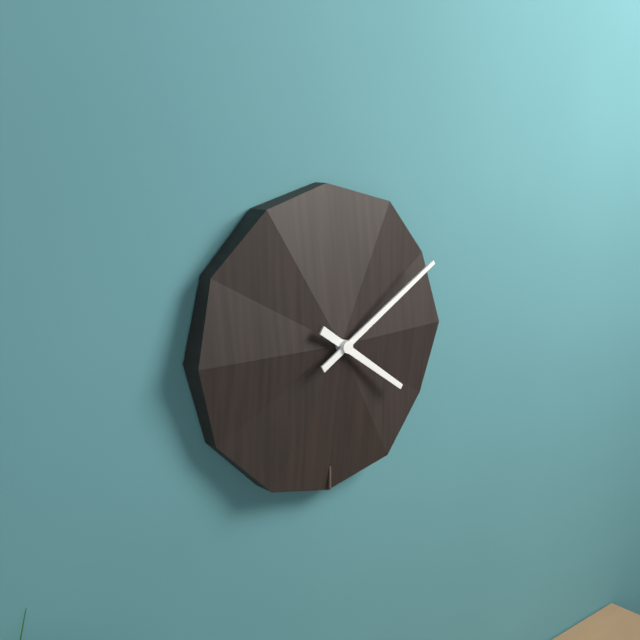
4:10
